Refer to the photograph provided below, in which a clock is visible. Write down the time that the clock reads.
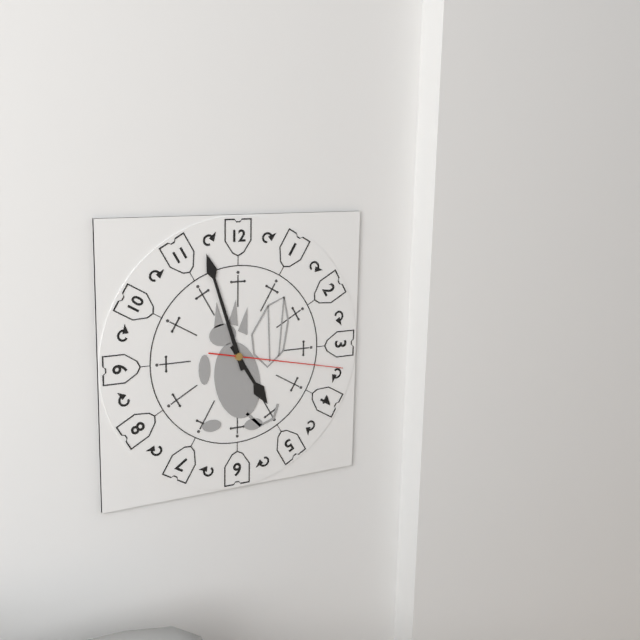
4:57:17
